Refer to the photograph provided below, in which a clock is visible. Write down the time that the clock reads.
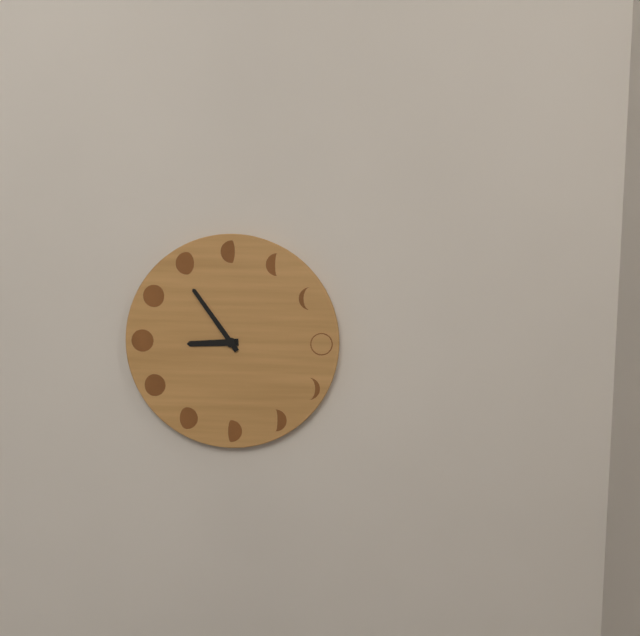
8:54
